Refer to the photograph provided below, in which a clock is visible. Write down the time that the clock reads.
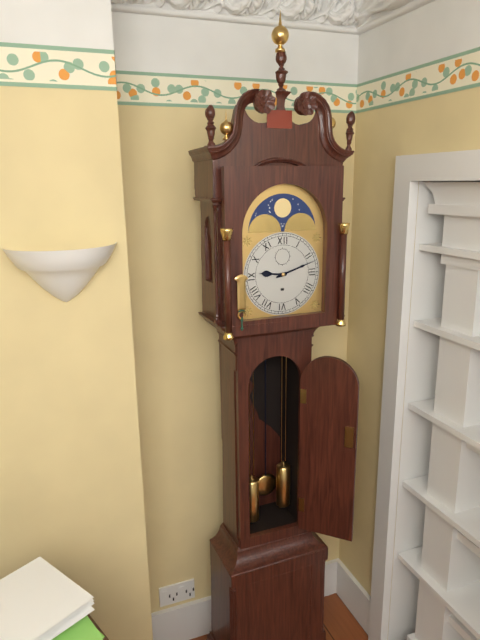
9:12
